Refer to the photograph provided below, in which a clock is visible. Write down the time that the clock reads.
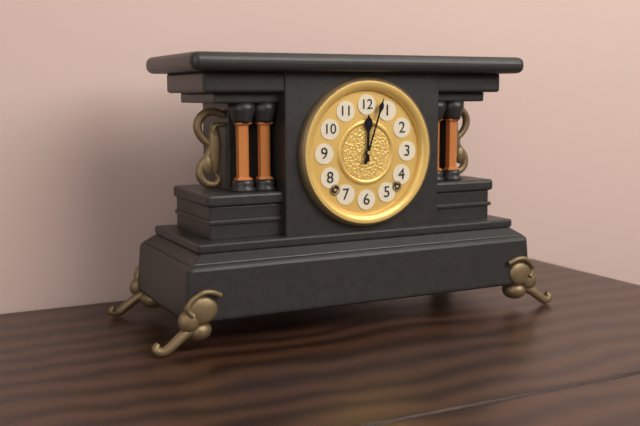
12:03
